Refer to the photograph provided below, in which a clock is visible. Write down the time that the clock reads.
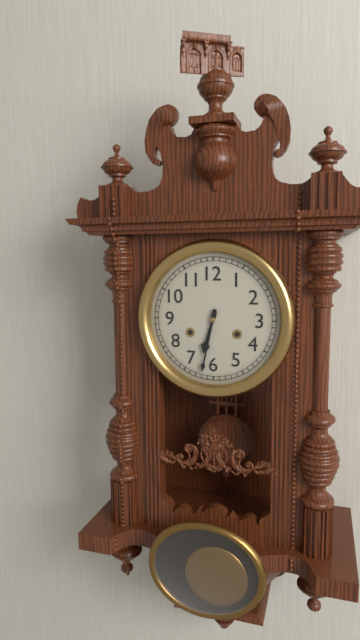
6:32
